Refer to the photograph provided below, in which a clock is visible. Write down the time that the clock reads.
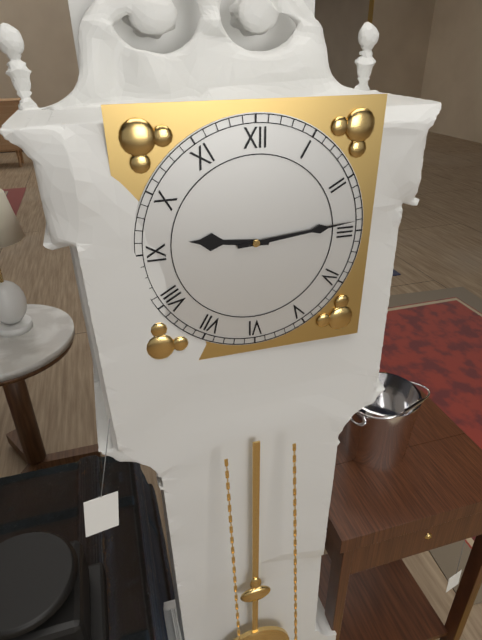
9:14
